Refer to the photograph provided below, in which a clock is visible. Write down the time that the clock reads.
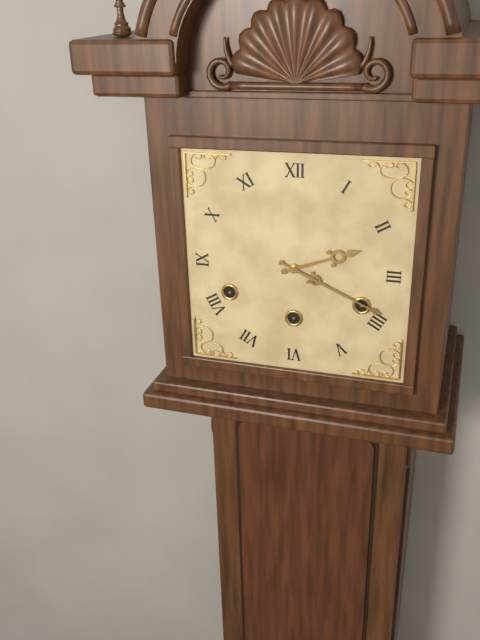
2:19
